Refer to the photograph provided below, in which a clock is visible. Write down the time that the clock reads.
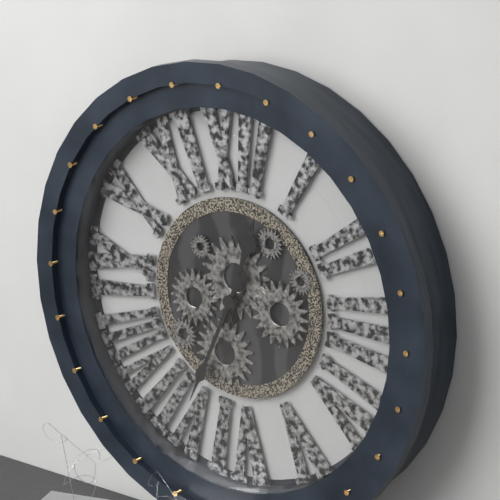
12:34
